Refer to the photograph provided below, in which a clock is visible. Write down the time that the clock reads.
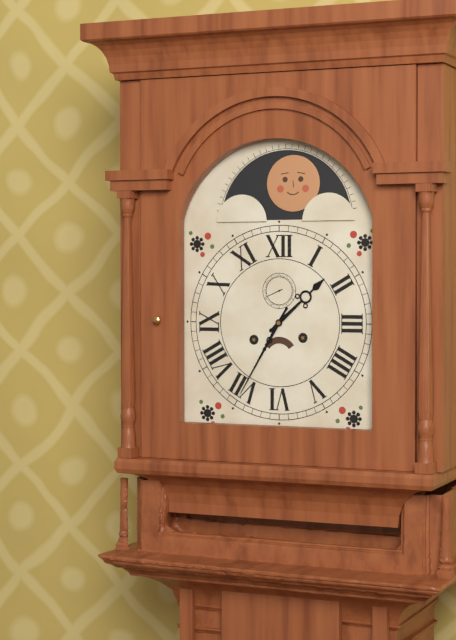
1:35
